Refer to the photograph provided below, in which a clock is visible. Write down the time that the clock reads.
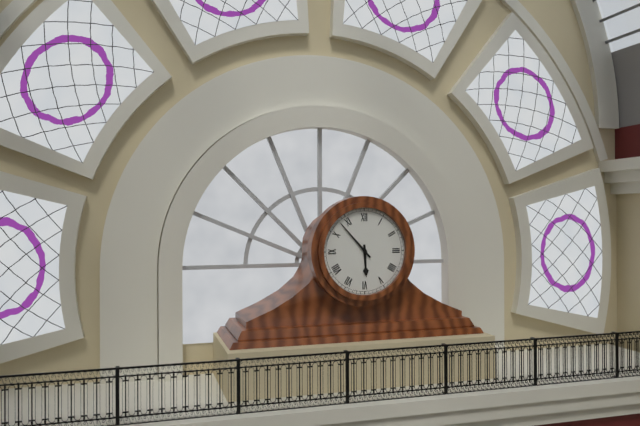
5:53
